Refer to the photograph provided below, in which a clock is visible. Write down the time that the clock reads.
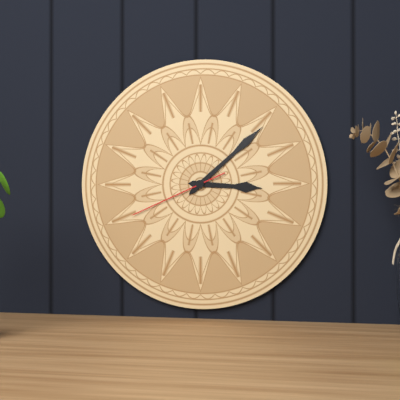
3:08:41
